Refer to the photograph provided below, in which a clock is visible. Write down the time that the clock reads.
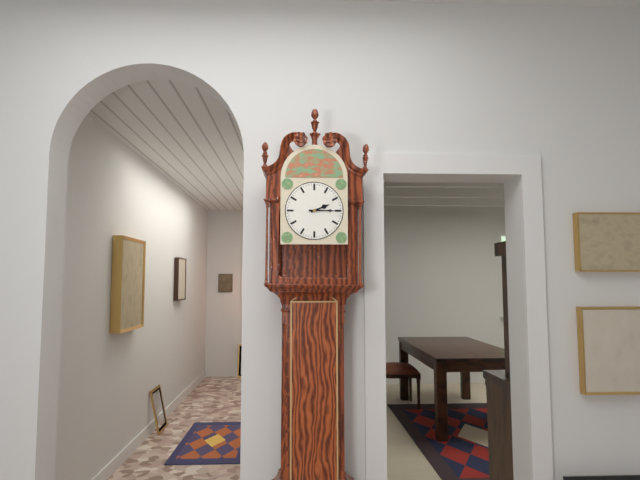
2:15
